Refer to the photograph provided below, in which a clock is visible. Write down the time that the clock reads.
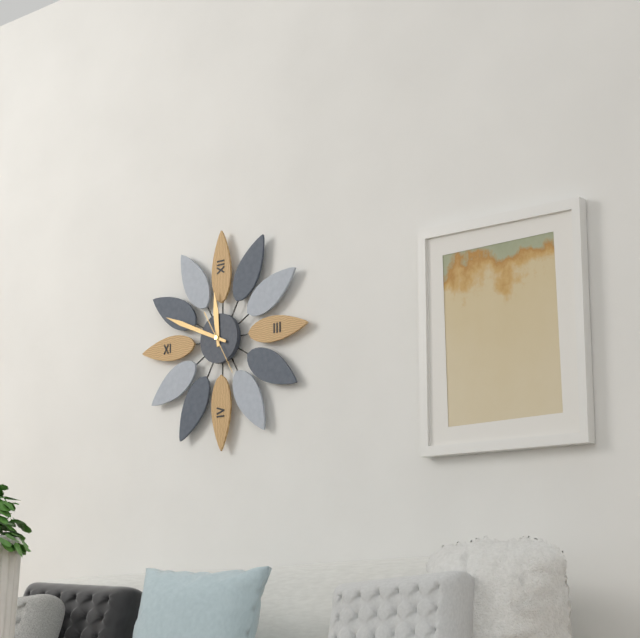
11:49
